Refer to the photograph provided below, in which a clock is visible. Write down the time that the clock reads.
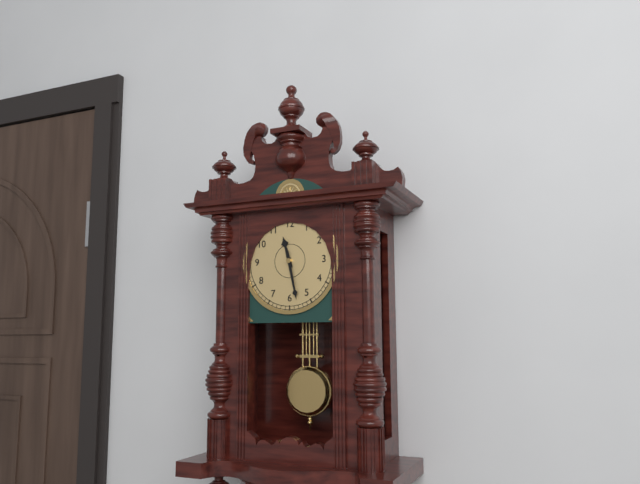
11:28
